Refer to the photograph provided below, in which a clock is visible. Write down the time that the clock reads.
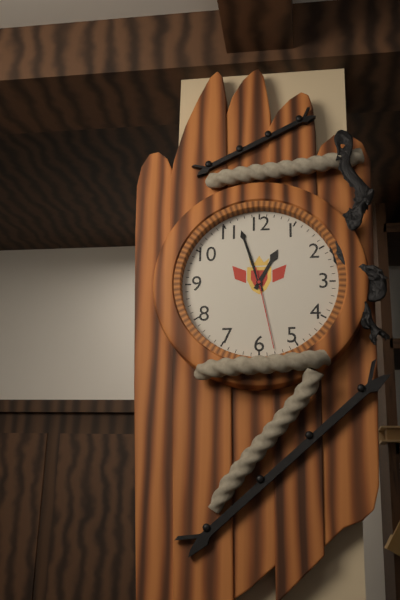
12:57:28
